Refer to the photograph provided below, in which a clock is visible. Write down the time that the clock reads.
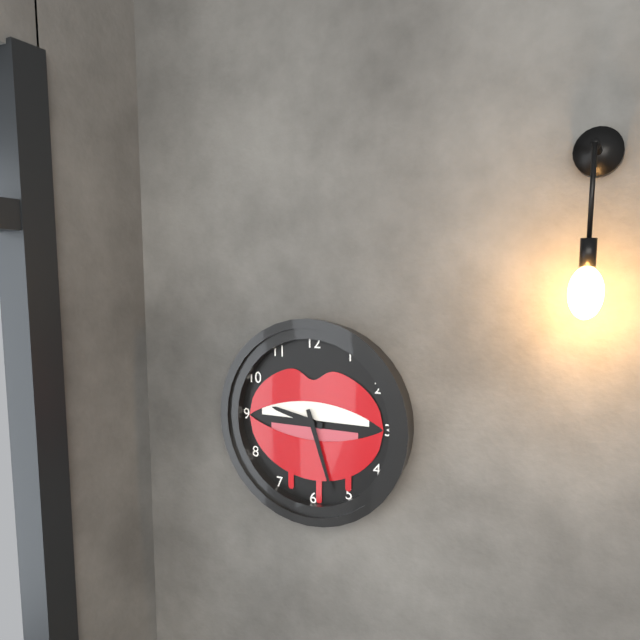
9:27
